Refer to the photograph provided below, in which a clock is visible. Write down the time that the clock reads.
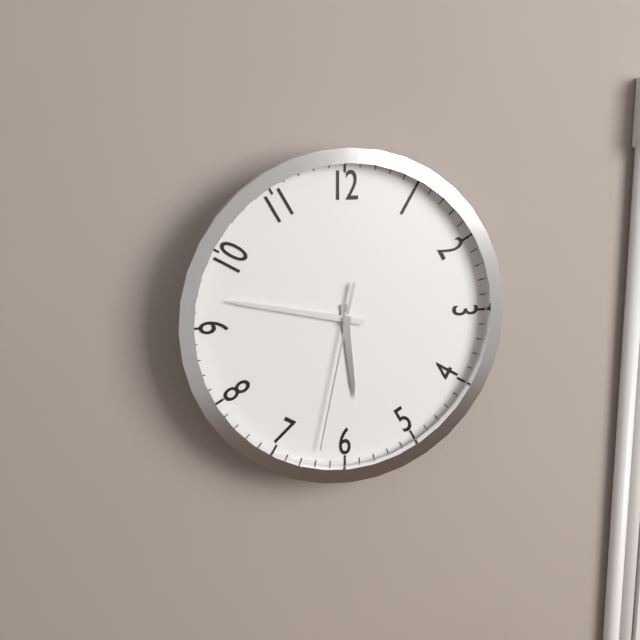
5:47:32
